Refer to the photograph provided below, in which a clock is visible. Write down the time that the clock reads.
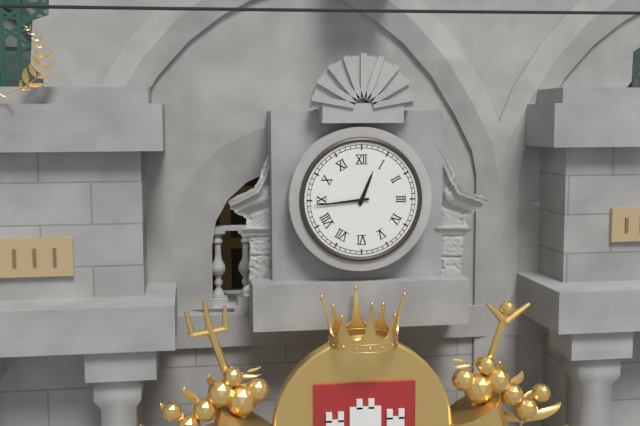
12:44
